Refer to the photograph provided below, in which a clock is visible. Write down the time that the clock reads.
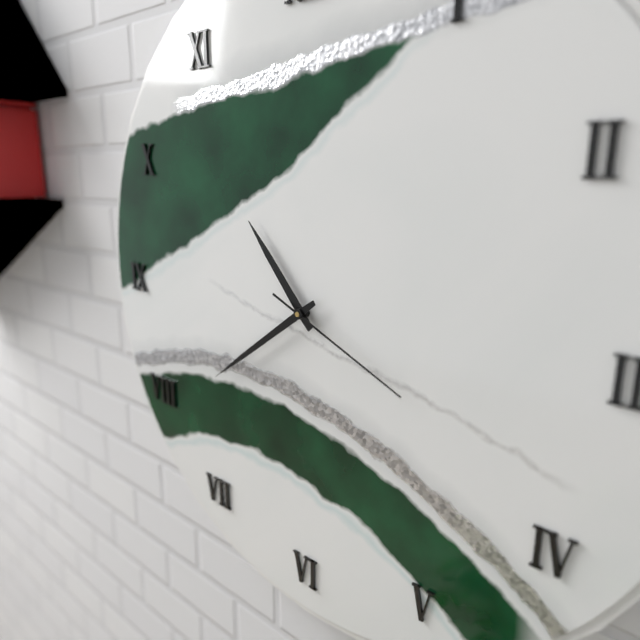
10:39:19
